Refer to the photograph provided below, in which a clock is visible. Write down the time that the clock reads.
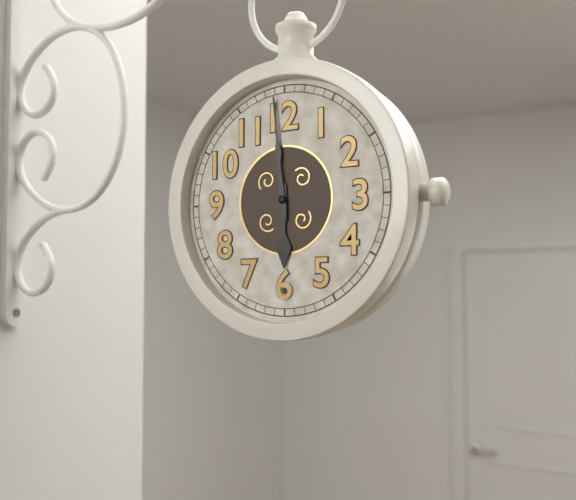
5:59
